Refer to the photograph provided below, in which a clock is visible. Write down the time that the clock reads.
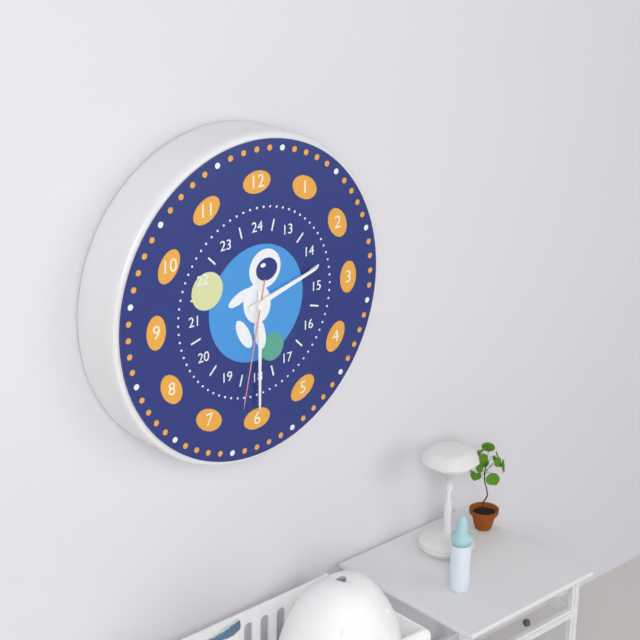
2:30:32
